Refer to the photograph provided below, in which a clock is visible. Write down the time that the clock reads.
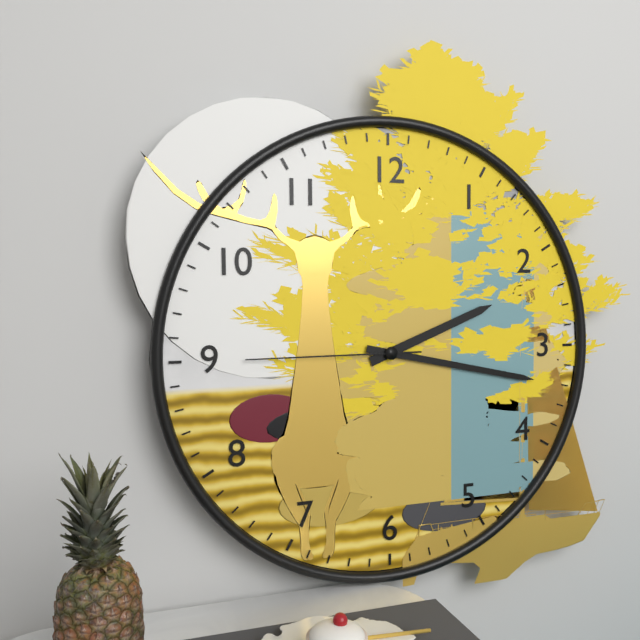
2:17:45
